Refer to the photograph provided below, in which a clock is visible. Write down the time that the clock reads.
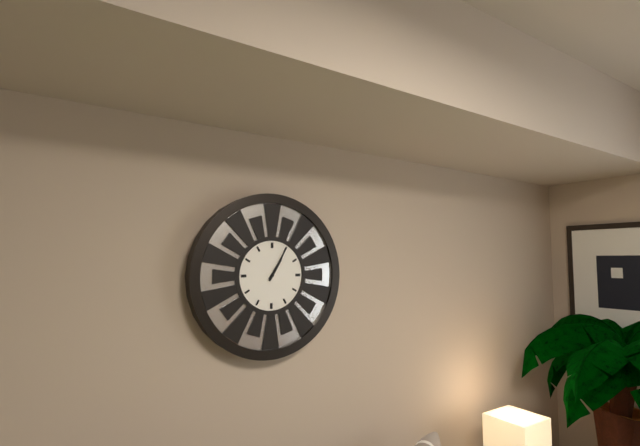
1:05
